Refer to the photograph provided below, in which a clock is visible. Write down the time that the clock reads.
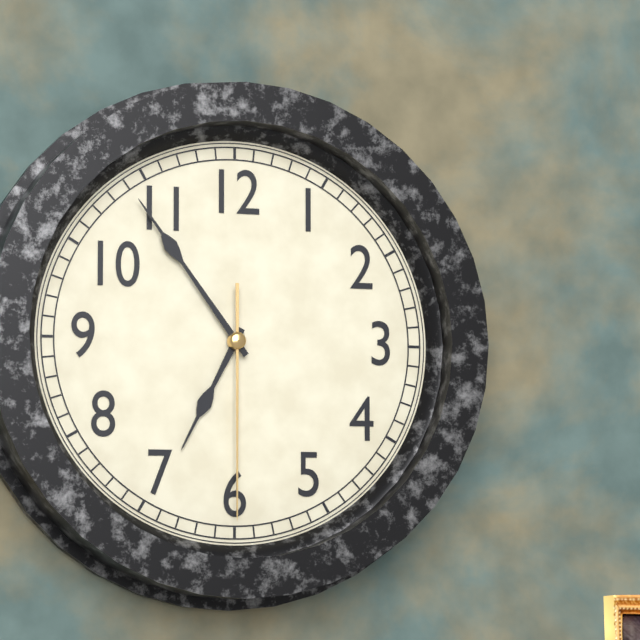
6:54:30
